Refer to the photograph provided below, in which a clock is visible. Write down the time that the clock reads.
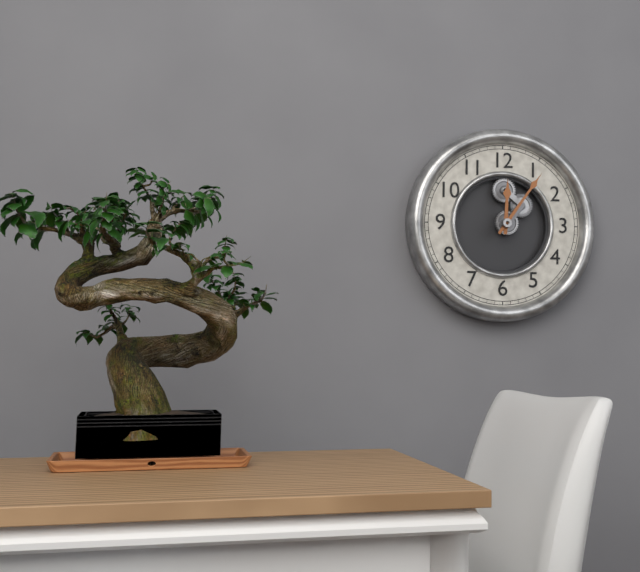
12:06
